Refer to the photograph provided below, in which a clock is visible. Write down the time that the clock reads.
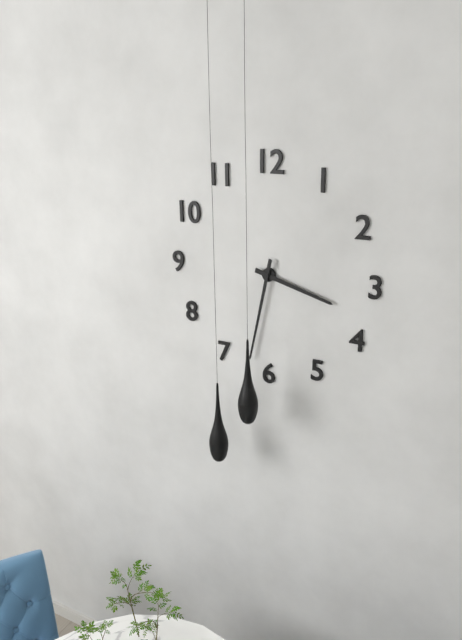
3:32
